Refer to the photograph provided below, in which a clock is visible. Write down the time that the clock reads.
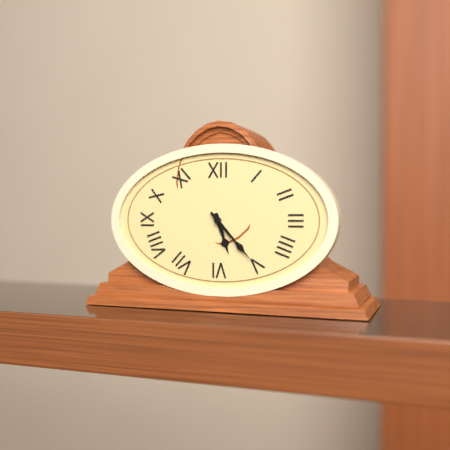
5:23
